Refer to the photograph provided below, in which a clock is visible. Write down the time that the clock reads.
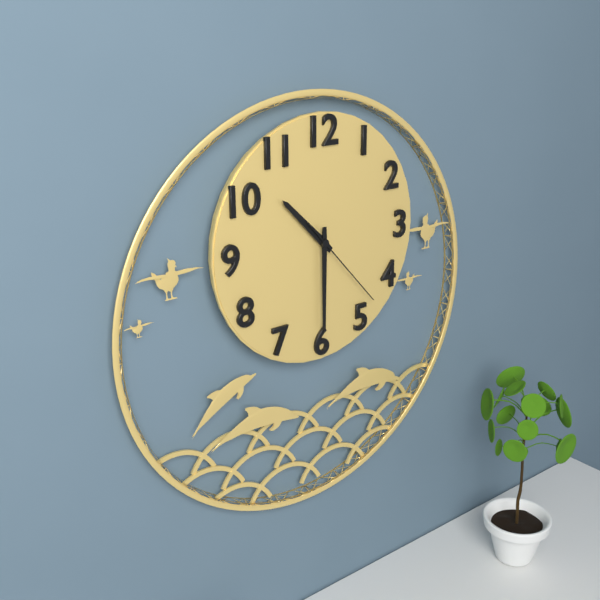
10:30:23
